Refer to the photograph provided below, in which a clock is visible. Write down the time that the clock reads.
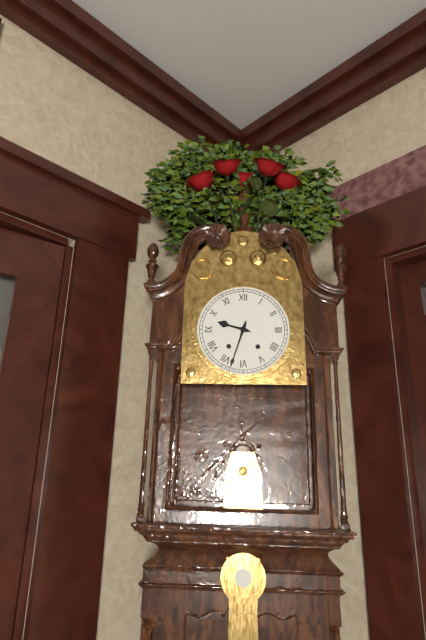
9:33
